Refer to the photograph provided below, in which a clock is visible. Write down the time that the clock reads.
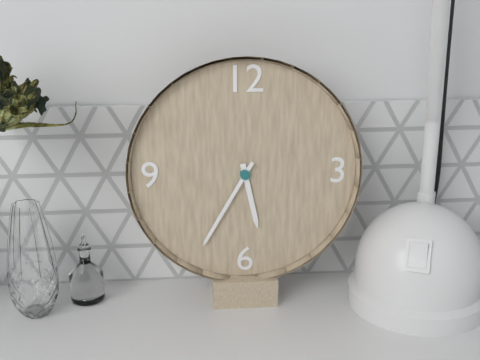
5:35
